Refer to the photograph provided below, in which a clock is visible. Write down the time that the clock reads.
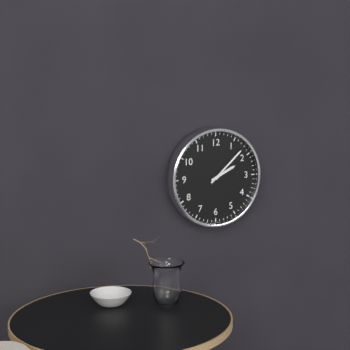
2:08
